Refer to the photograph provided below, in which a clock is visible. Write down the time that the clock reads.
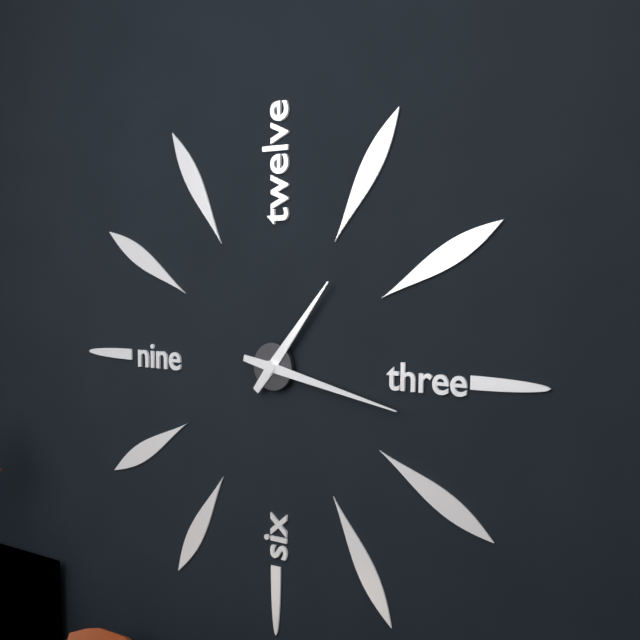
1:17
